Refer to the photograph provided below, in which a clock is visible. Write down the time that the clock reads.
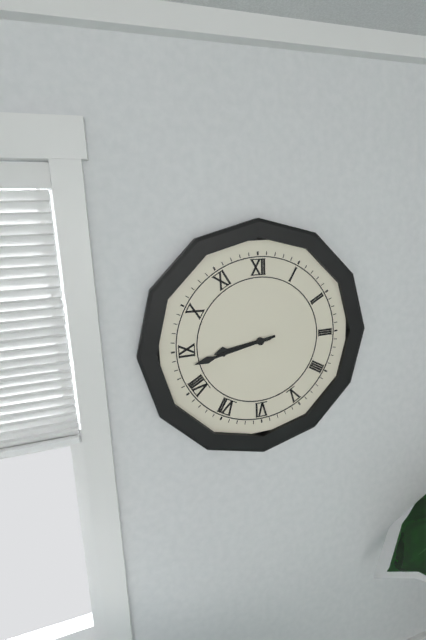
8:43
